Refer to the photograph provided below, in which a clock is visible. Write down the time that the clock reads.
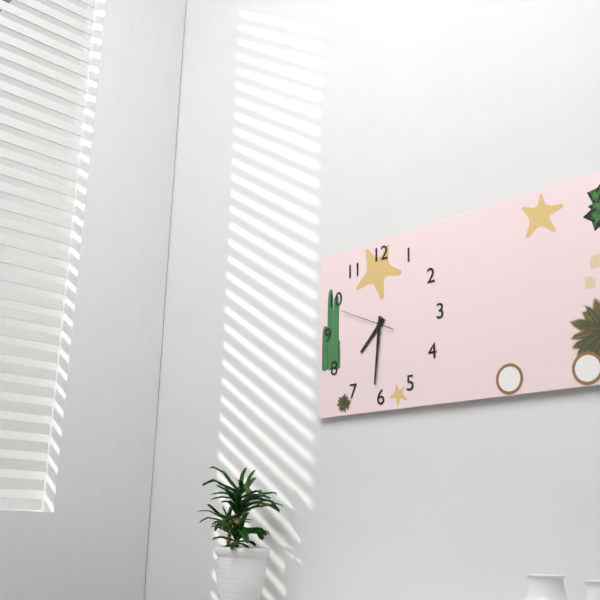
7:31
